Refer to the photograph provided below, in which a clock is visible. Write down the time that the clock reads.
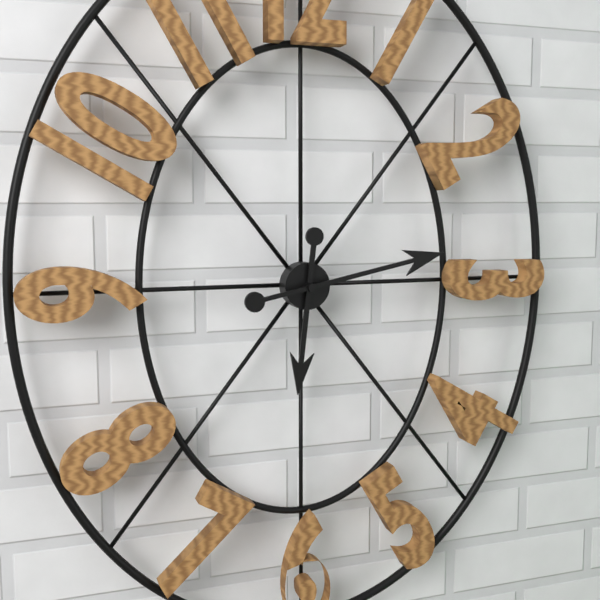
6:13
